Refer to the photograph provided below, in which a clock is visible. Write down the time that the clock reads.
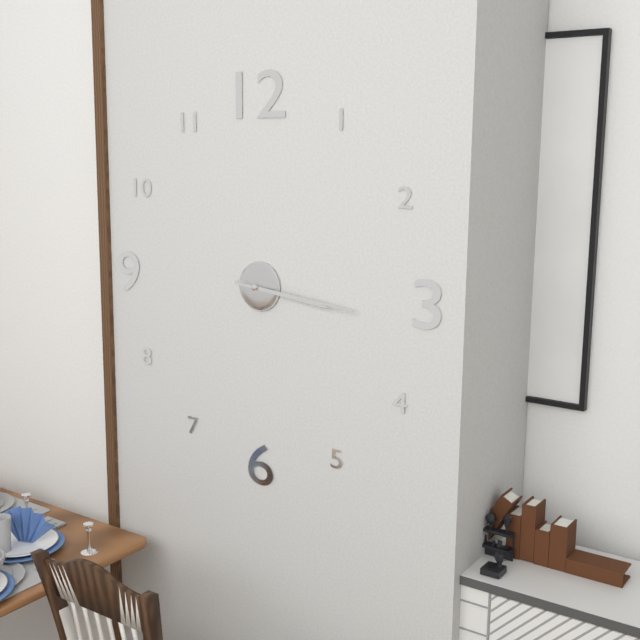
3:16
